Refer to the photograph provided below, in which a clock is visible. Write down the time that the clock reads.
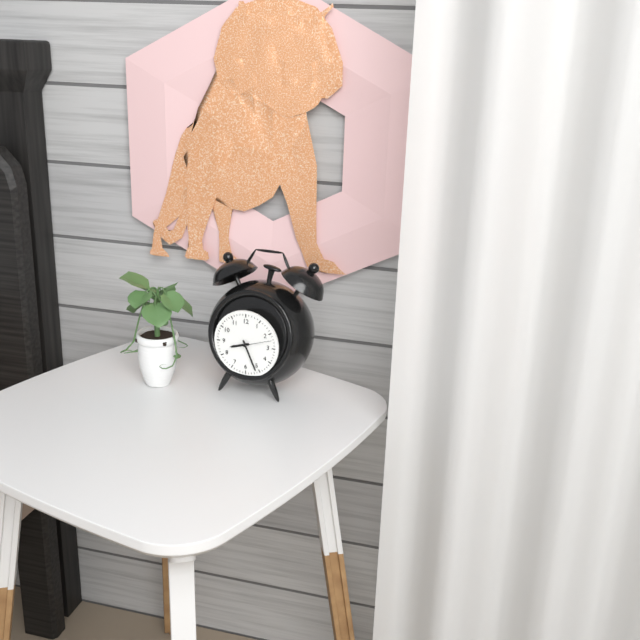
8:26
